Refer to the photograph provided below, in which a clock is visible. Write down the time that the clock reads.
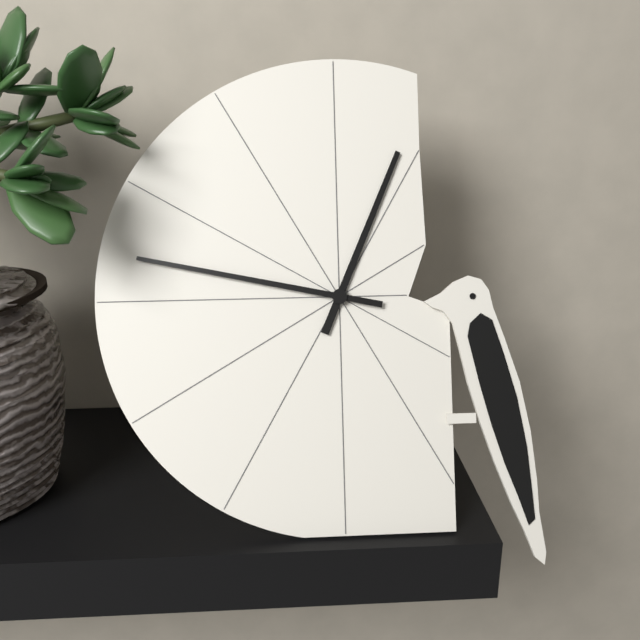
12:47
